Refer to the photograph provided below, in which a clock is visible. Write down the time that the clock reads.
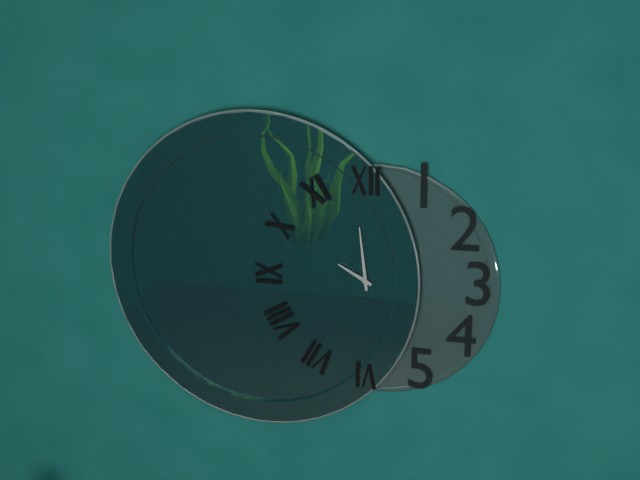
9:59
